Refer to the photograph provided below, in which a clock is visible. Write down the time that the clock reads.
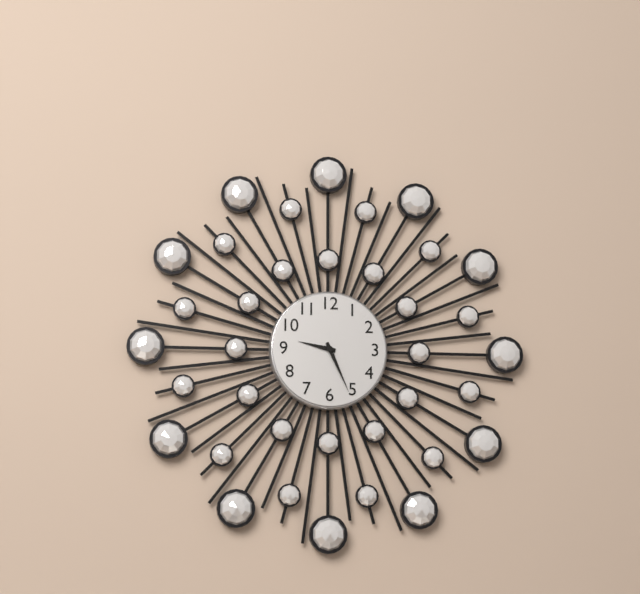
9:26
